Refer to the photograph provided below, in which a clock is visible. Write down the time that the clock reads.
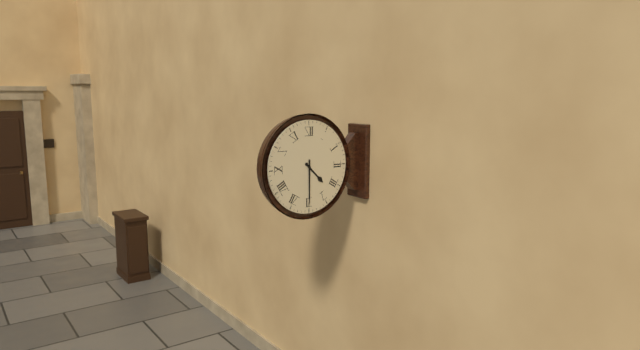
4:30
